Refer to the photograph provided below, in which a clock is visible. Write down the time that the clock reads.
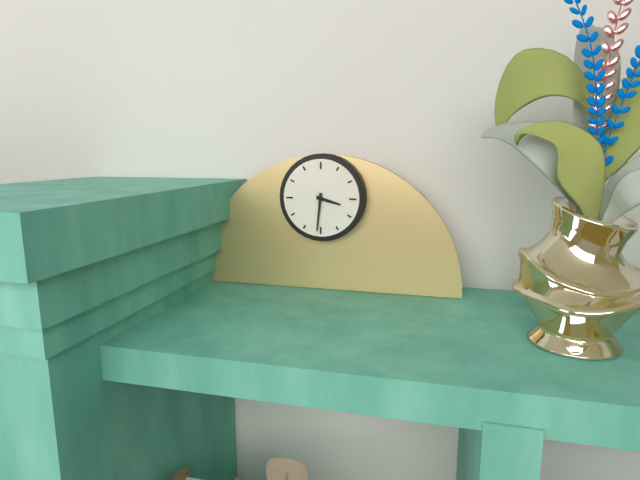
3:31
